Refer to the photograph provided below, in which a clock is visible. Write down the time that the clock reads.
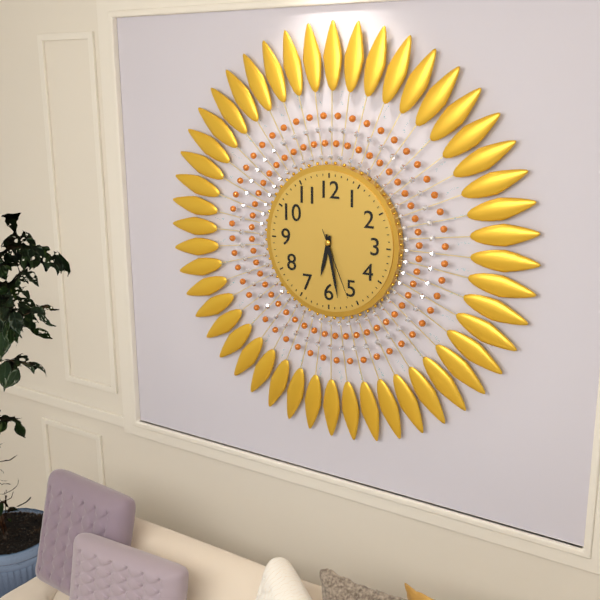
6:28:26
